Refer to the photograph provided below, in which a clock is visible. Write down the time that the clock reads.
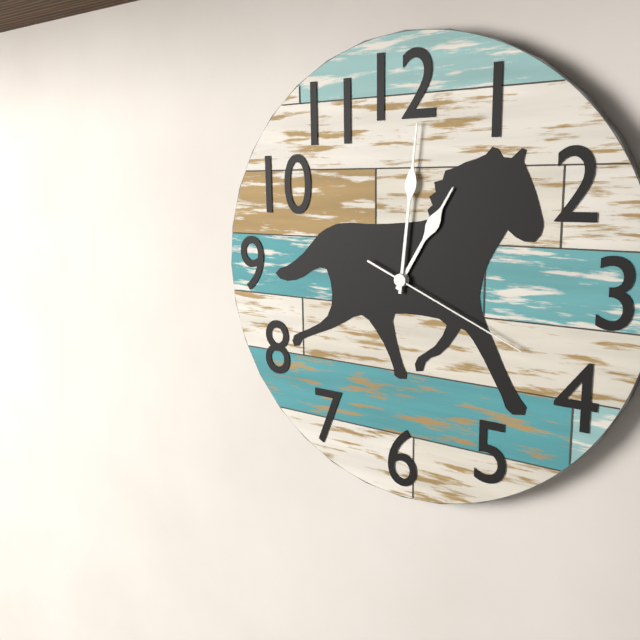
1:01:19
